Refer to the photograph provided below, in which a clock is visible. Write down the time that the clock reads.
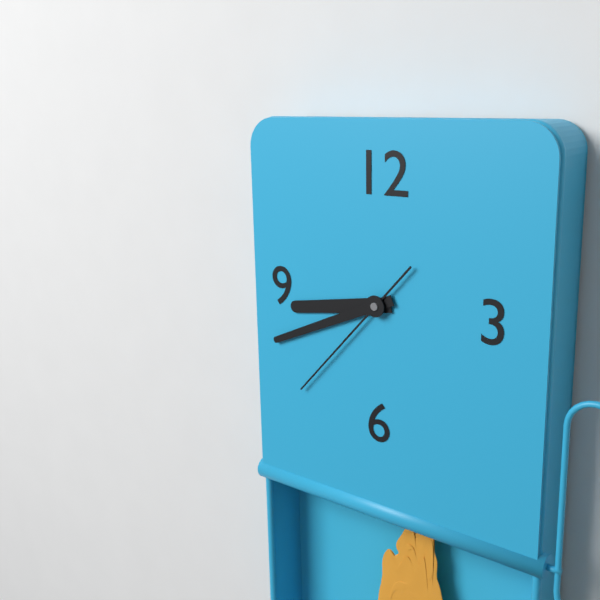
8:41:37
